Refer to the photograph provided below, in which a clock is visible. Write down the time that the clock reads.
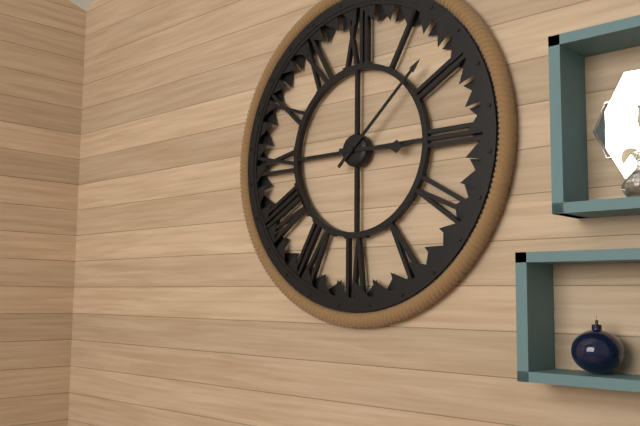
3:08
